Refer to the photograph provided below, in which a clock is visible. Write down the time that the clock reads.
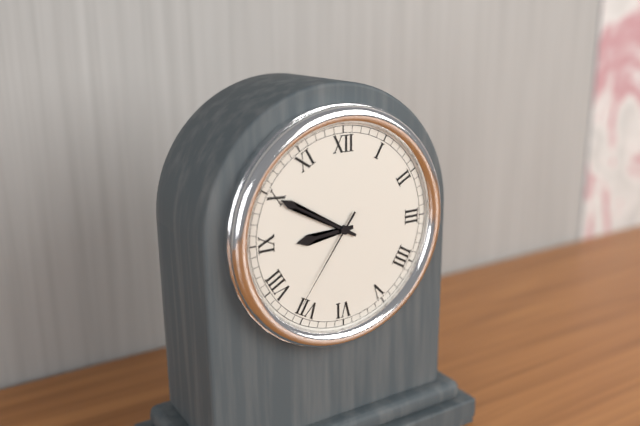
8:50:36
